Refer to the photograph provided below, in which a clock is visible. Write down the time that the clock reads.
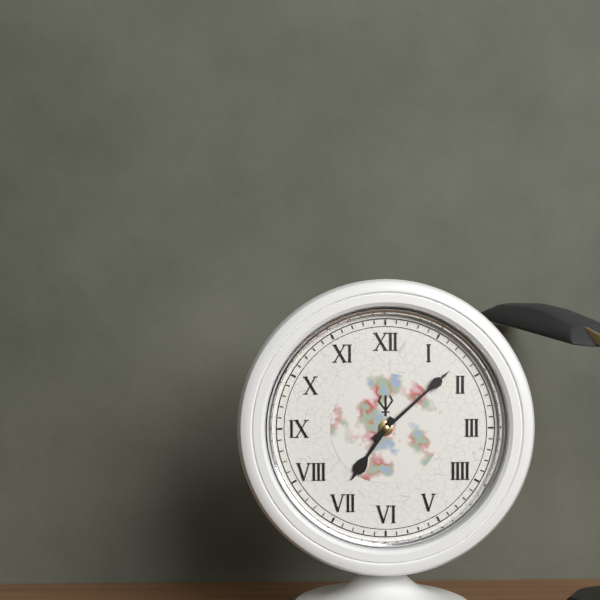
7:08
